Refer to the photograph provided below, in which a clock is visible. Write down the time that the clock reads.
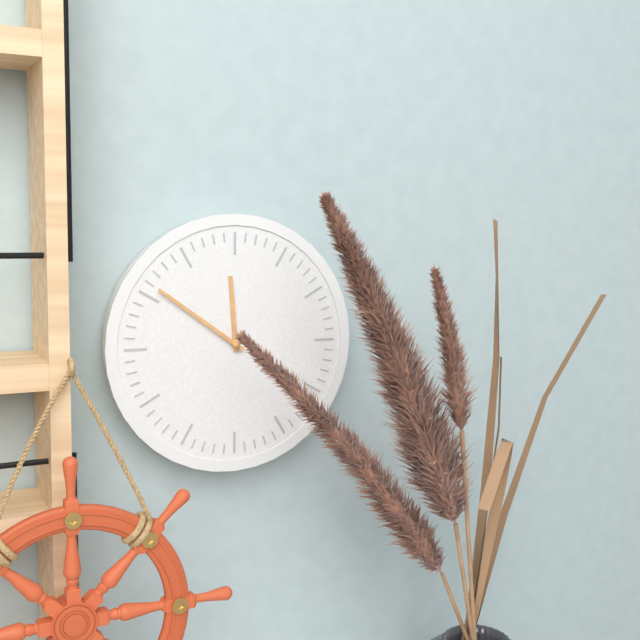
11:51
